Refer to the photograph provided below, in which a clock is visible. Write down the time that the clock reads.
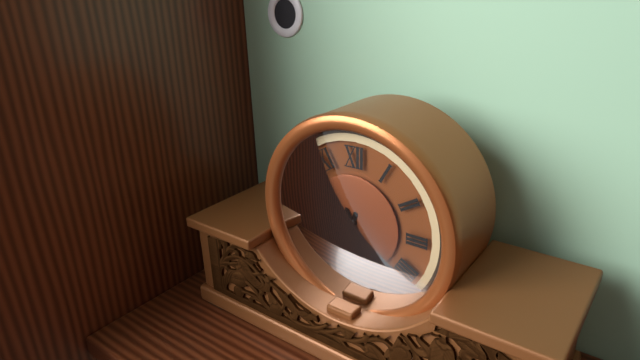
6:25
